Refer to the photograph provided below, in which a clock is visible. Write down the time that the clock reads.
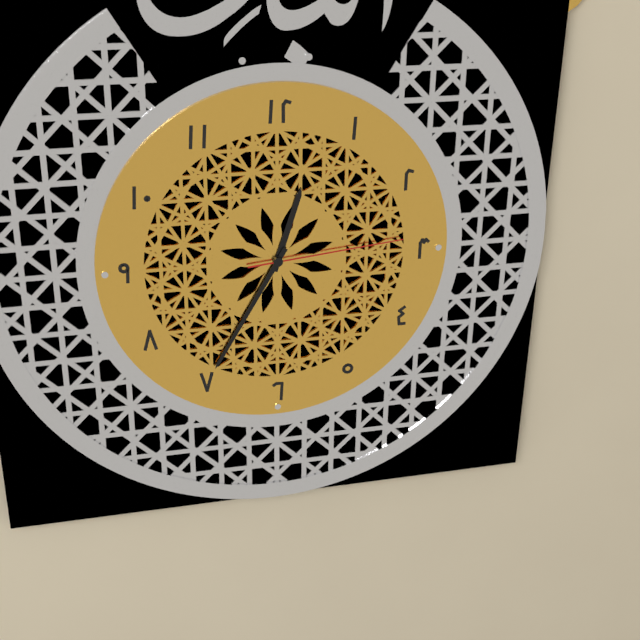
12:35:14
